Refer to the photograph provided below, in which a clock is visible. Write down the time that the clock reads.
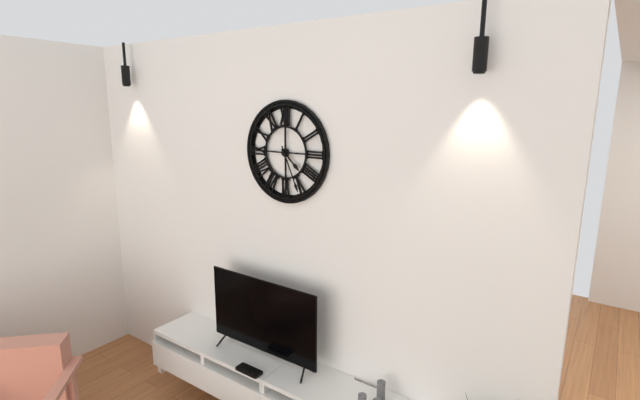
4:26
